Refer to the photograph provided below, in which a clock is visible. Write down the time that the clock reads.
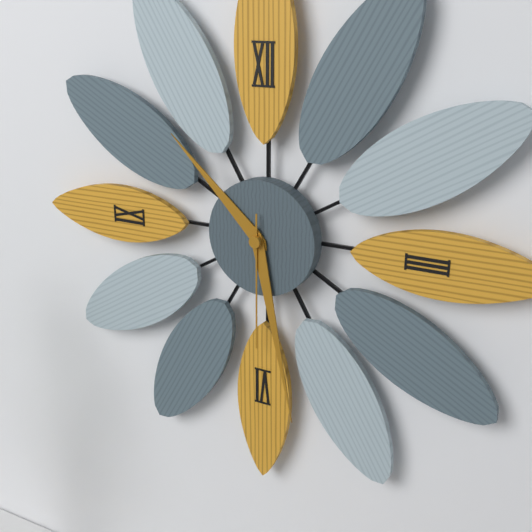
10:28:30
